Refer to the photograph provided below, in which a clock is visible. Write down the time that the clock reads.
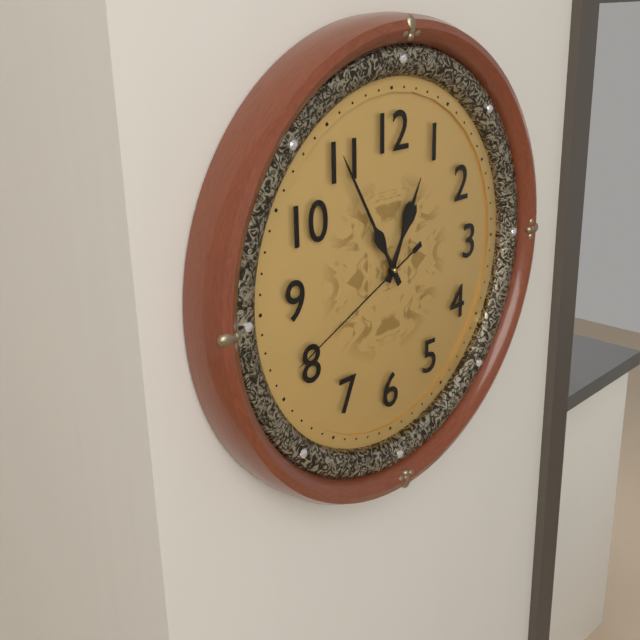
12:55:41
